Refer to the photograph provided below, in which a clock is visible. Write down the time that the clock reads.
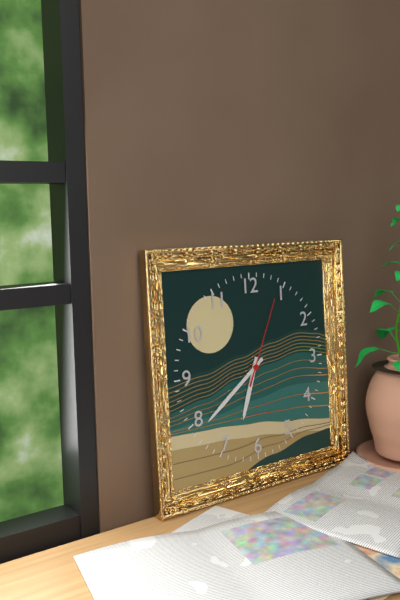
6:39:04
